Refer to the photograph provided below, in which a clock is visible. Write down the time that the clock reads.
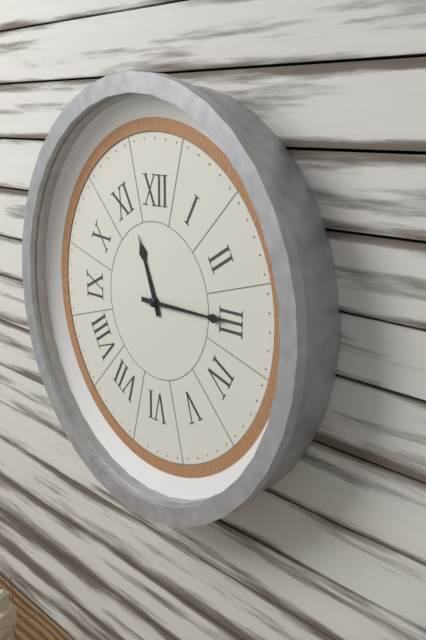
11:15
